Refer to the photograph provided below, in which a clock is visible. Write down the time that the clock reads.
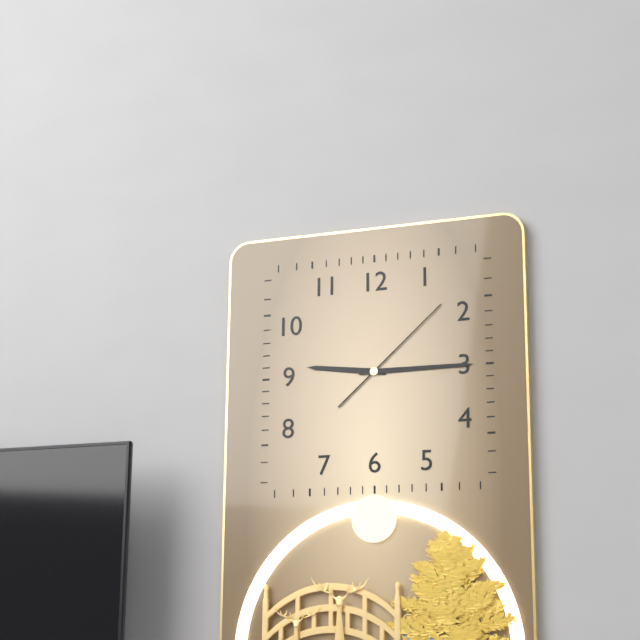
9:15:08
